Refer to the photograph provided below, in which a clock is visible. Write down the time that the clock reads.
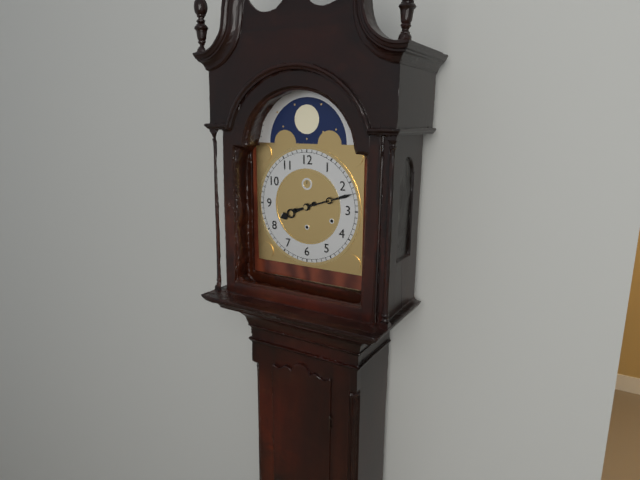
8:12
